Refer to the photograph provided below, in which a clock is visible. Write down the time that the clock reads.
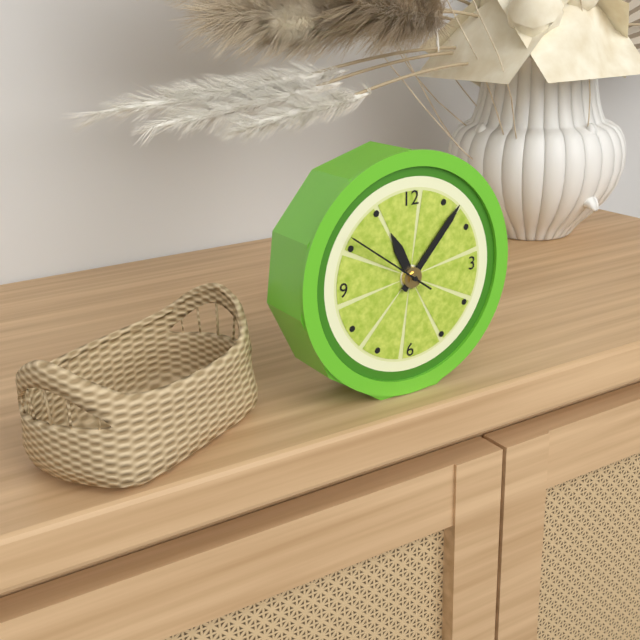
11:07:51
